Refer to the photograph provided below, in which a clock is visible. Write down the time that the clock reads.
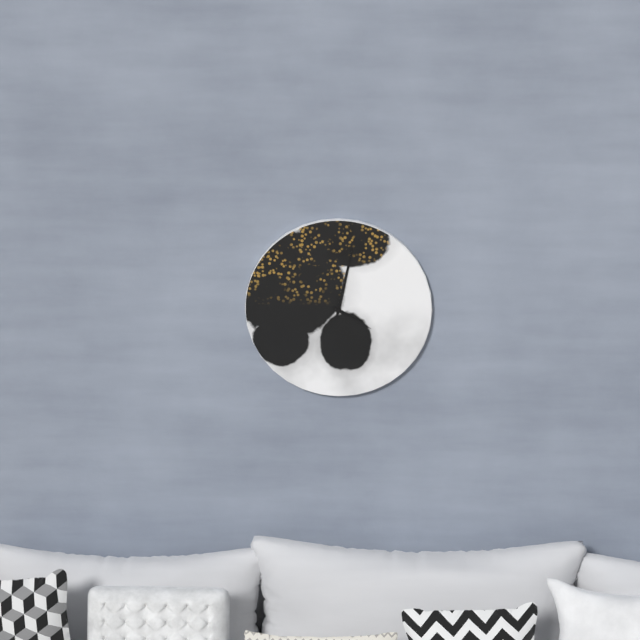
4:02
